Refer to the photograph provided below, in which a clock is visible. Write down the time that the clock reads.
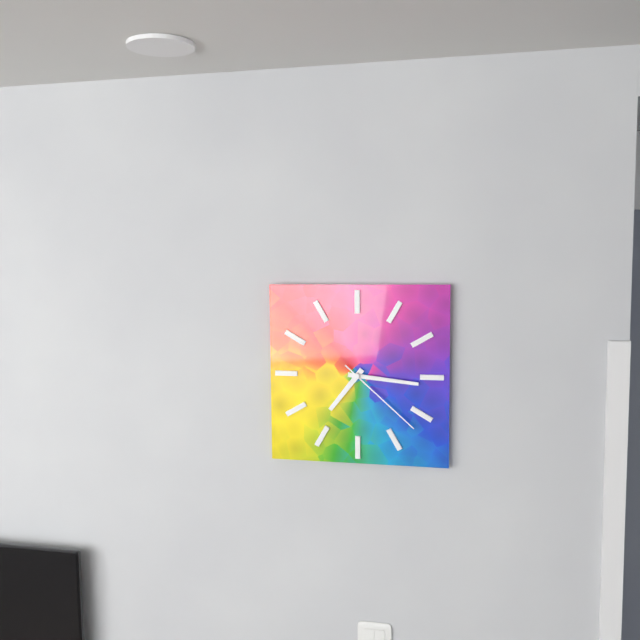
7:16:22
